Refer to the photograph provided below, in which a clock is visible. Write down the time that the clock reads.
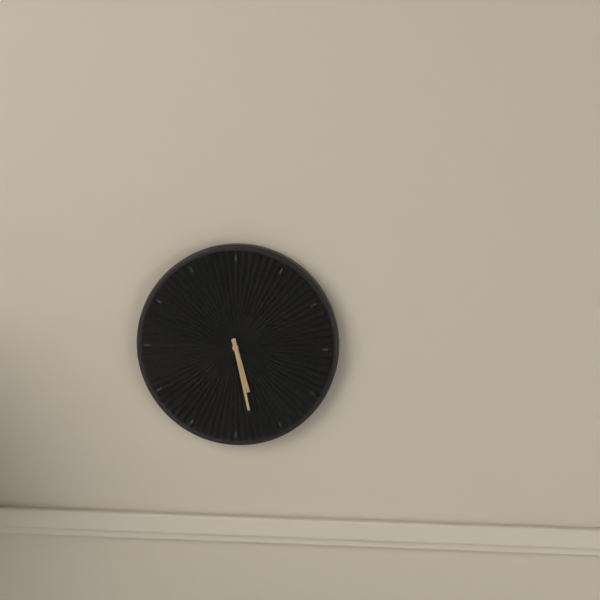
5:28
